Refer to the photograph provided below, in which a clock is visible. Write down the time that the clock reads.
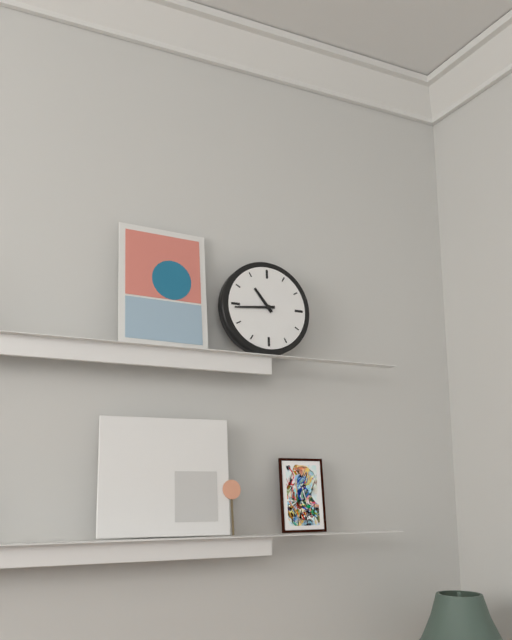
10:44
